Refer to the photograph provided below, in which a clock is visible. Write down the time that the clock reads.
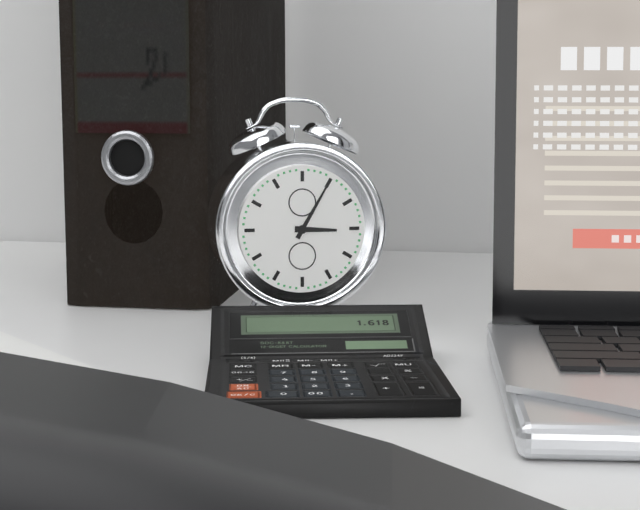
3:05
